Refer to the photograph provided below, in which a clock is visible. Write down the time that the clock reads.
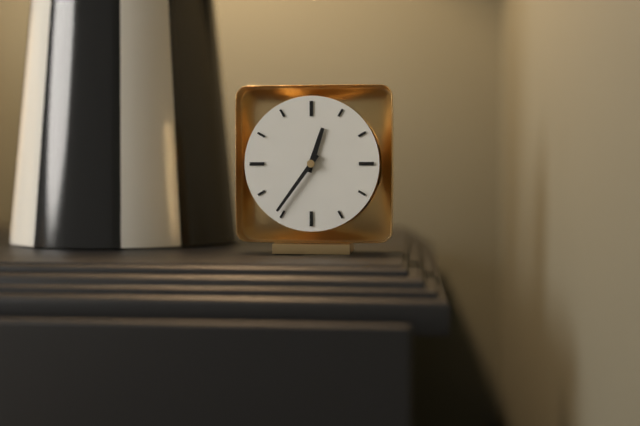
12:36
